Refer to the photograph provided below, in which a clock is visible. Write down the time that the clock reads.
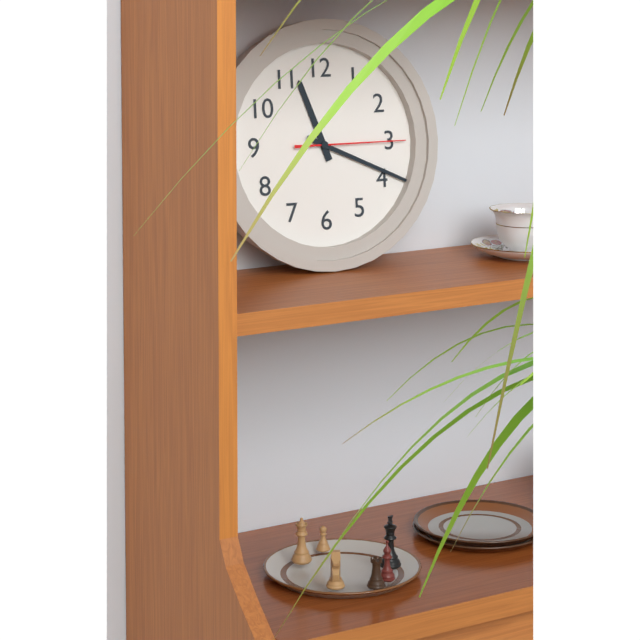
11:19:15
